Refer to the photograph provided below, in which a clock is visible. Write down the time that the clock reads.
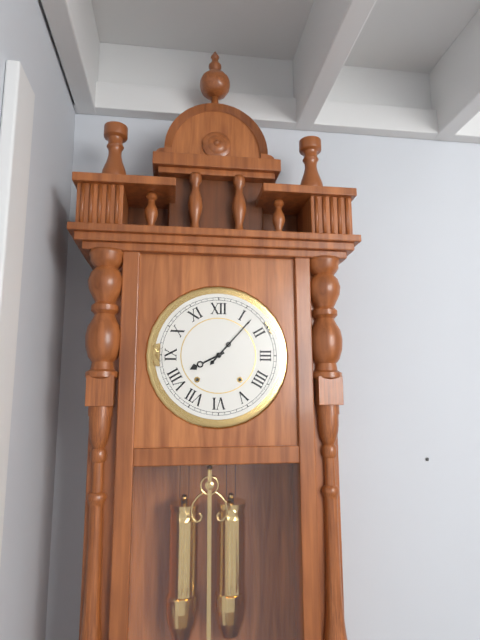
8:07
